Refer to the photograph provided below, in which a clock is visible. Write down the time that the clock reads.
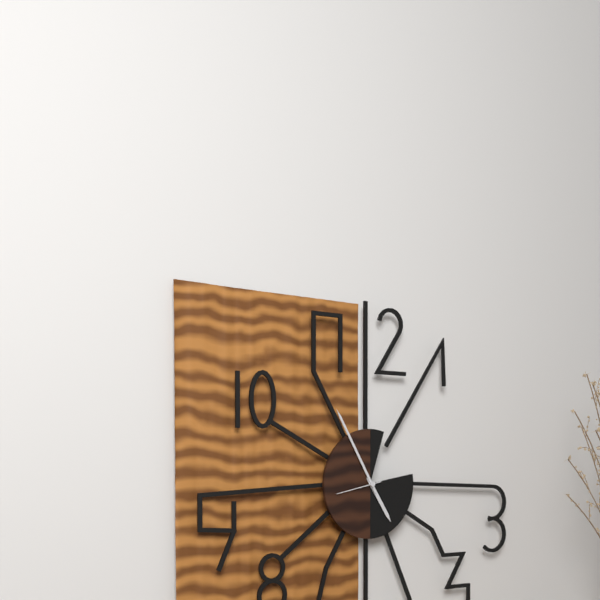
4:55
